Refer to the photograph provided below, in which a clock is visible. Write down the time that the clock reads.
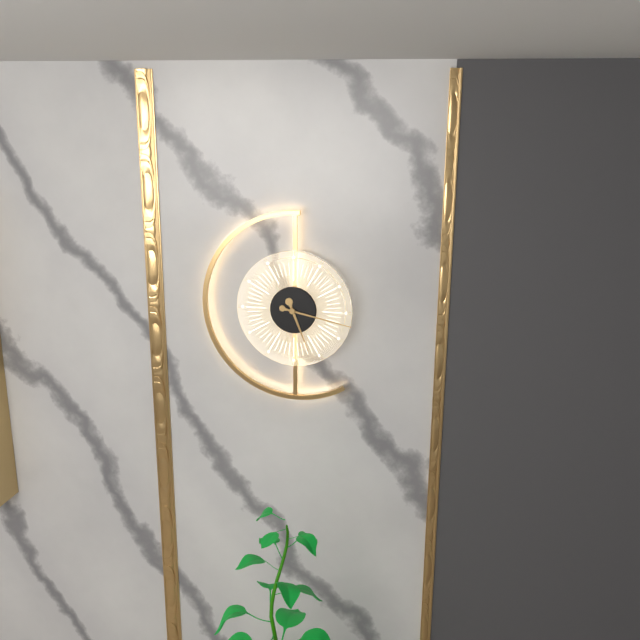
5:17
